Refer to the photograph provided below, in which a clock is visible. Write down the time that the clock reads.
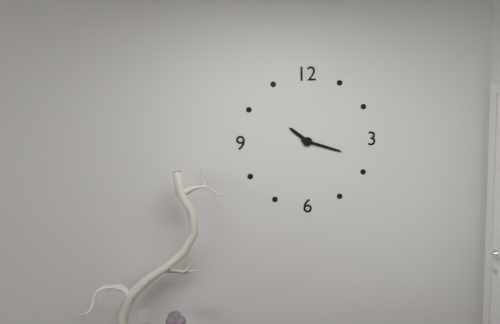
10:18
